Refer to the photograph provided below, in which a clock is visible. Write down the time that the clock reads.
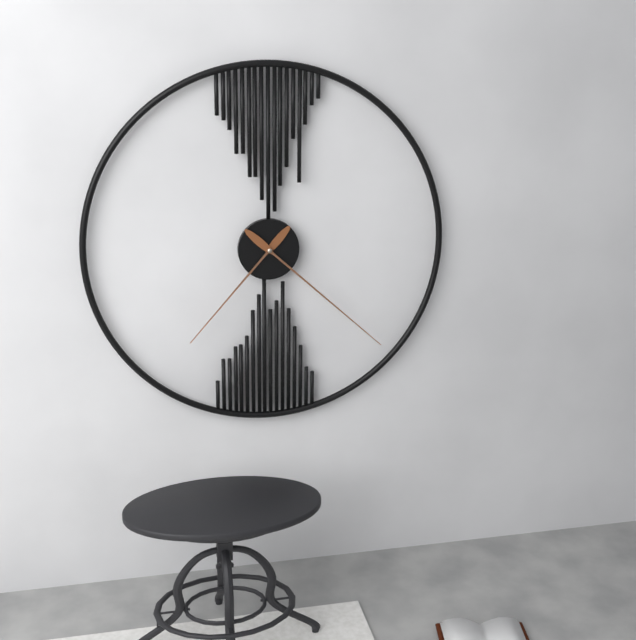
7:22
